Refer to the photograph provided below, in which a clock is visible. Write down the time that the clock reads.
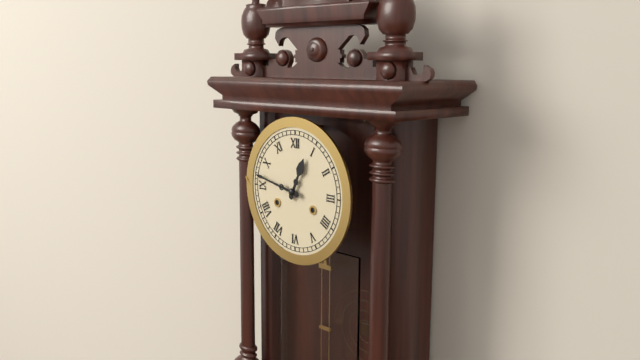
12:47
